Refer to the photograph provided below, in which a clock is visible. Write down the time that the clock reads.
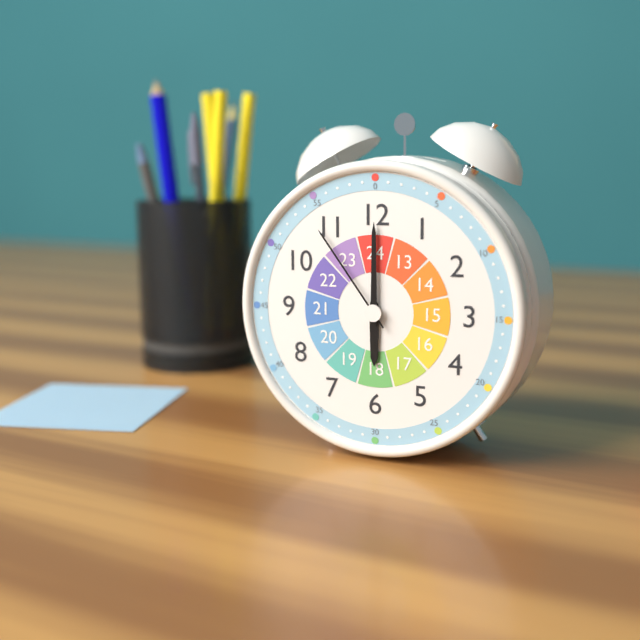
6:00:54
